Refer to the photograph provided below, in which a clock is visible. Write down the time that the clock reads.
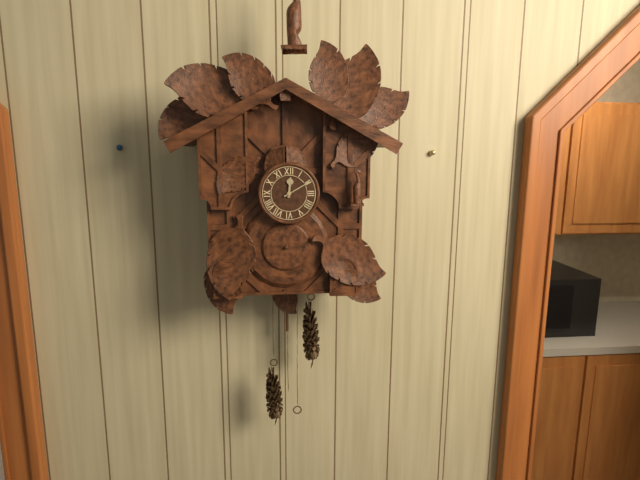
12:10
